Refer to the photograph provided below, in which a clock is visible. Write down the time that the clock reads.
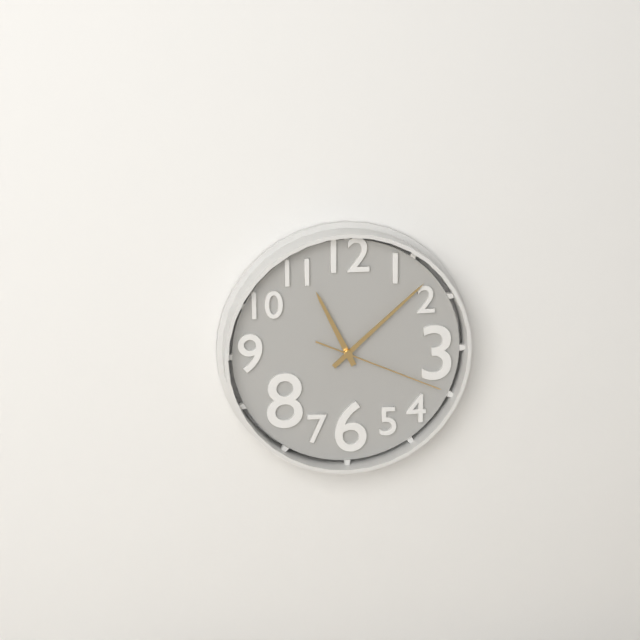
11:08:19
